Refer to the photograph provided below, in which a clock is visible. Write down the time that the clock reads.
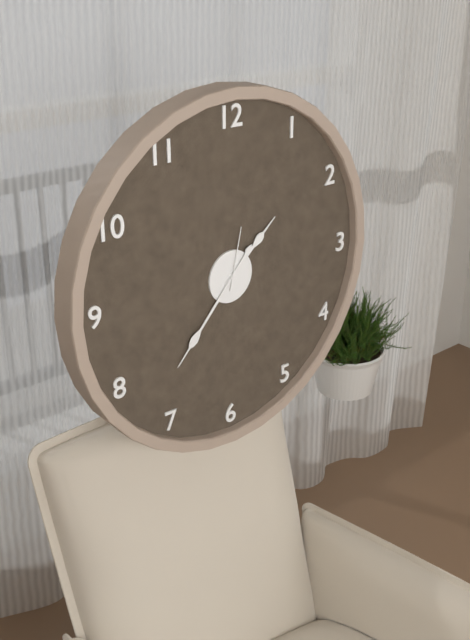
1:37:02
